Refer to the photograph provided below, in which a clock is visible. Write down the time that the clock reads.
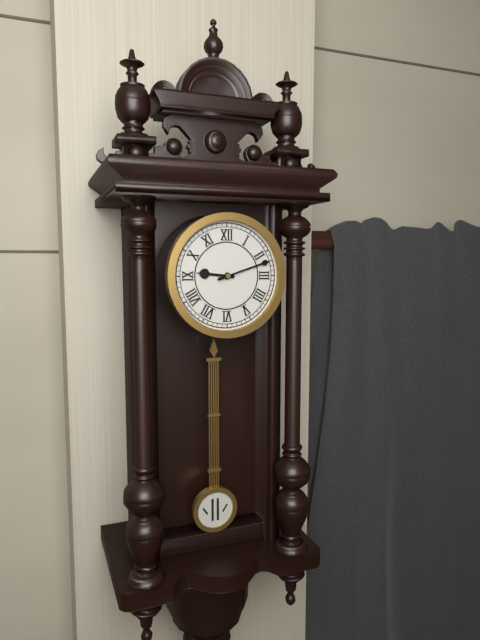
9:12
